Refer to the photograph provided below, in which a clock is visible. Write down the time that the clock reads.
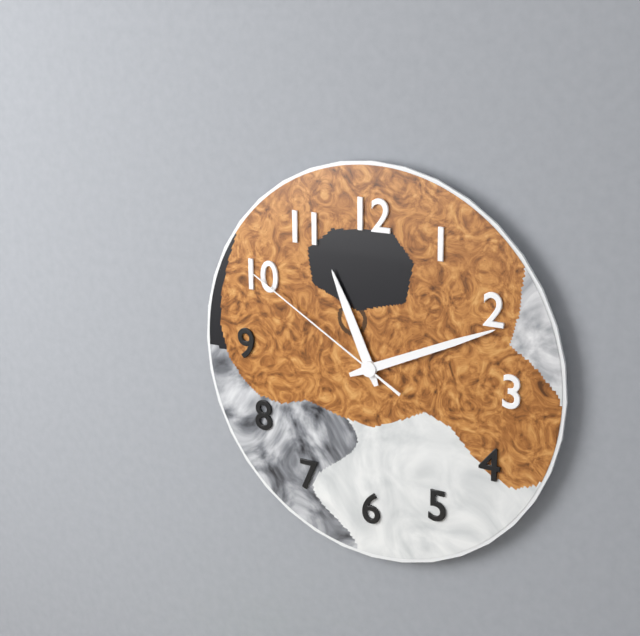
11:11:50
